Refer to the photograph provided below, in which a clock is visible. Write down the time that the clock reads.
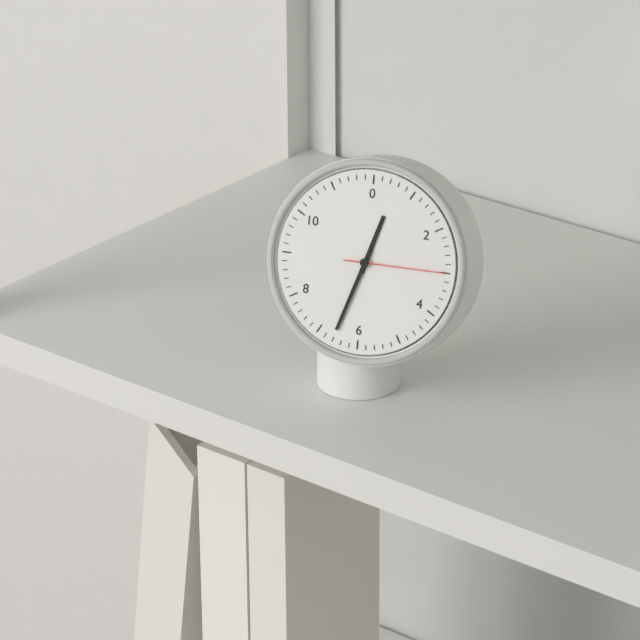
12:33:15
